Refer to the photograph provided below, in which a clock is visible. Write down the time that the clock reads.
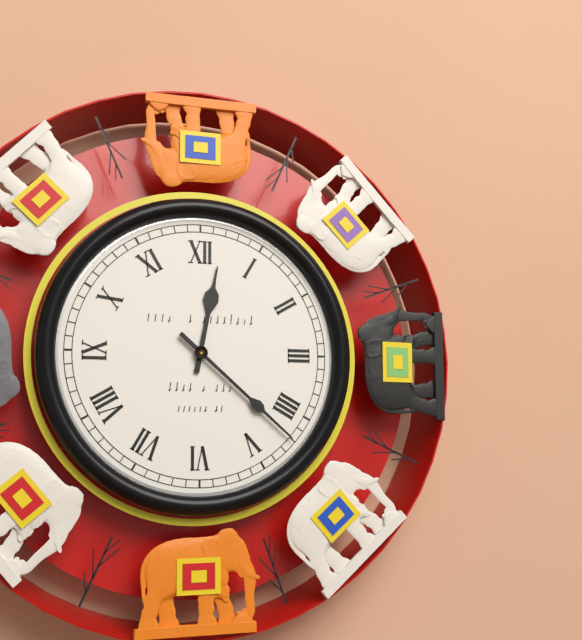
12:22
